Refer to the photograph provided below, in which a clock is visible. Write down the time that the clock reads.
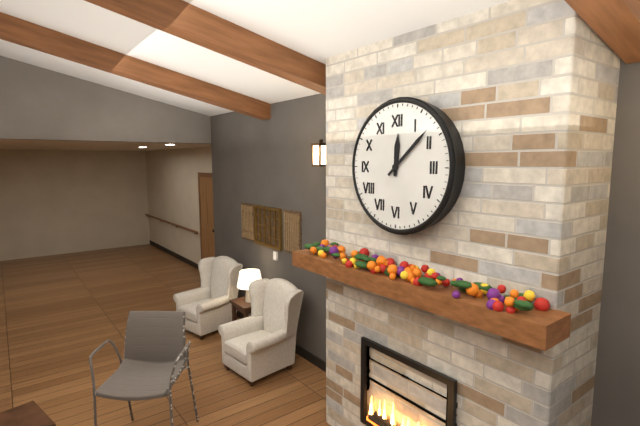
12:08
